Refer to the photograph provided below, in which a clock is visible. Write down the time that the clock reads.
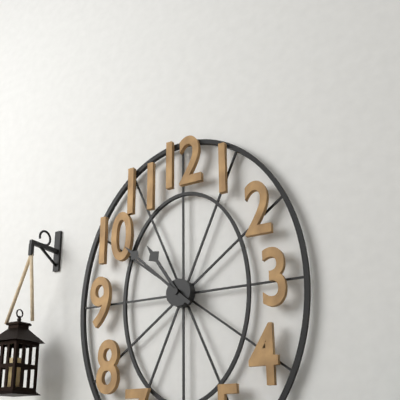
10:52
